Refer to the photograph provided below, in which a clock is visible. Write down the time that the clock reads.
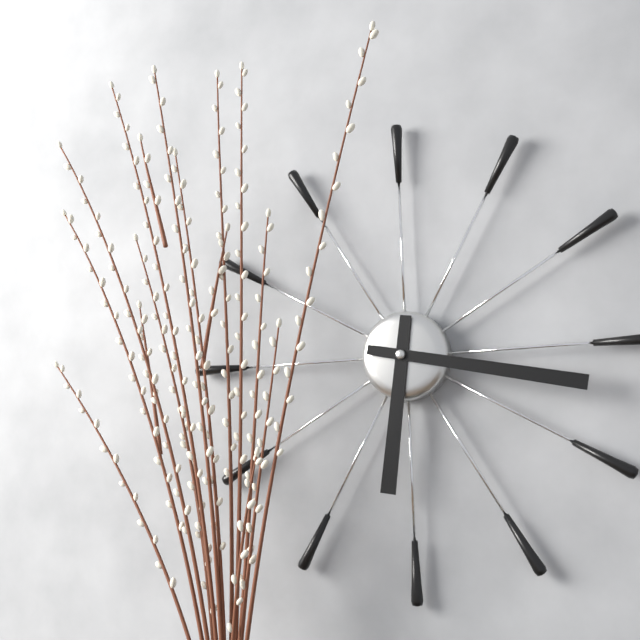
6:17
